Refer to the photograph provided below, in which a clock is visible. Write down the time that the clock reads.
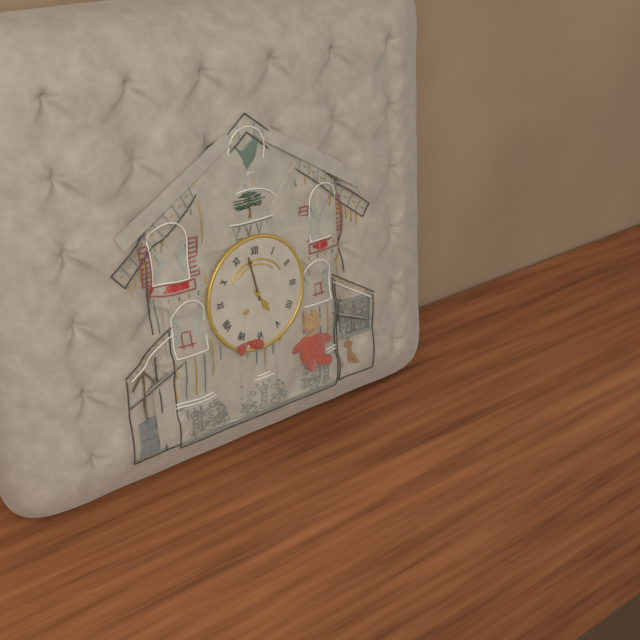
4:58
